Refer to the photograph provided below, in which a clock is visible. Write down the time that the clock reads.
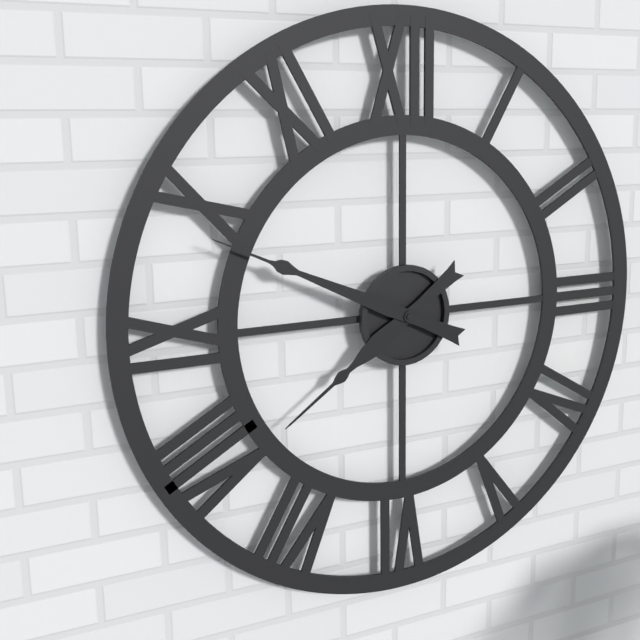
7:49
